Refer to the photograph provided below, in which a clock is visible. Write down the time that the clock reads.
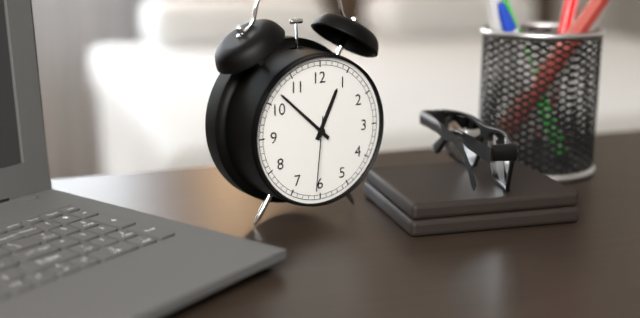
12:52:31
